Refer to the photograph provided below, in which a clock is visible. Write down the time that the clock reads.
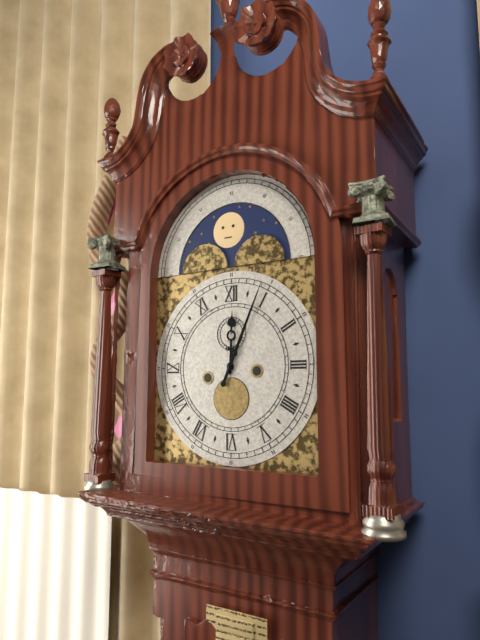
12:04
